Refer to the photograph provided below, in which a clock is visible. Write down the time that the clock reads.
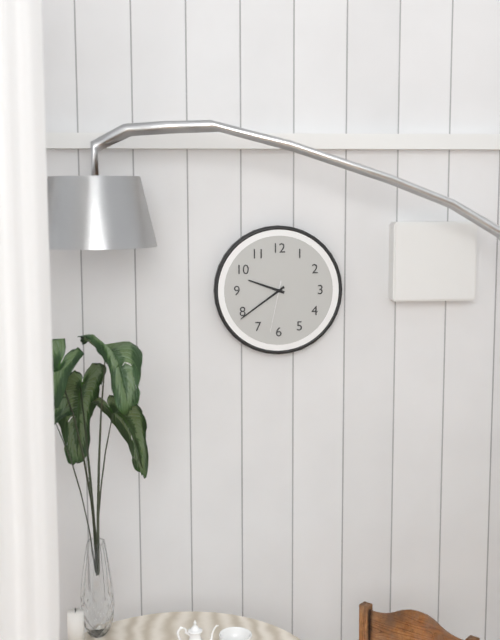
9:39:32
